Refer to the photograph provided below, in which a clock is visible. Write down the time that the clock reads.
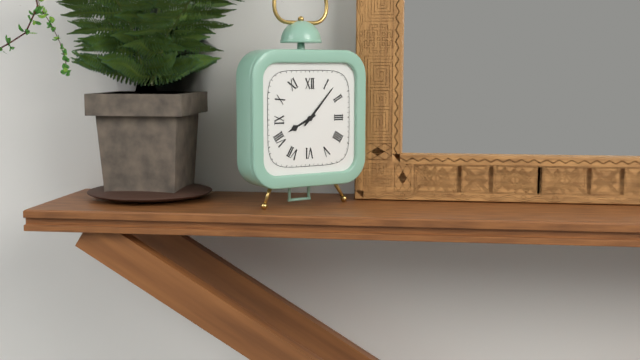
8:07
